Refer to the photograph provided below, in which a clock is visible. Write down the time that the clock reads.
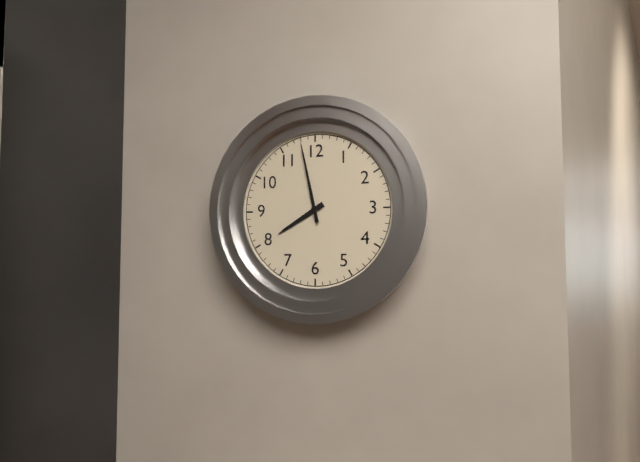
7:58
